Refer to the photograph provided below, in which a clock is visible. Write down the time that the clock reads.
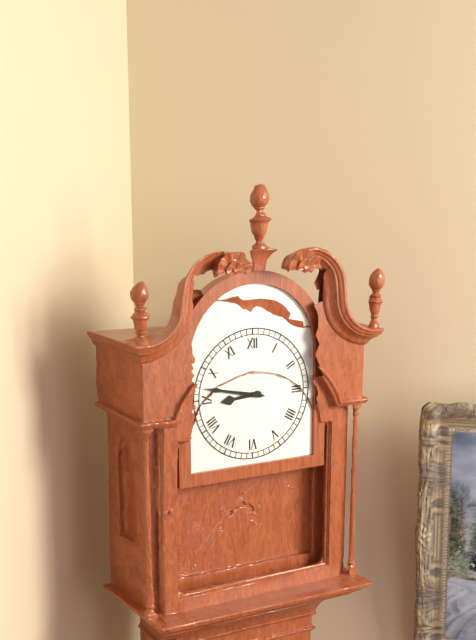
8:47
